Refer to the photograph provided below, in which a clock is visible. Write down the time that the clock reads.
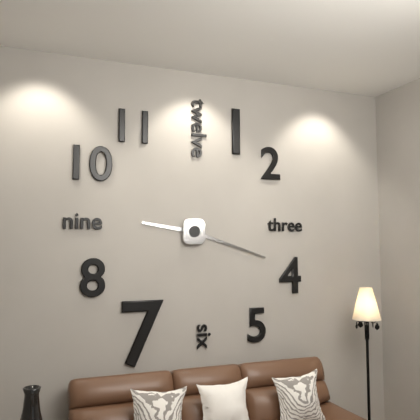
9:18
